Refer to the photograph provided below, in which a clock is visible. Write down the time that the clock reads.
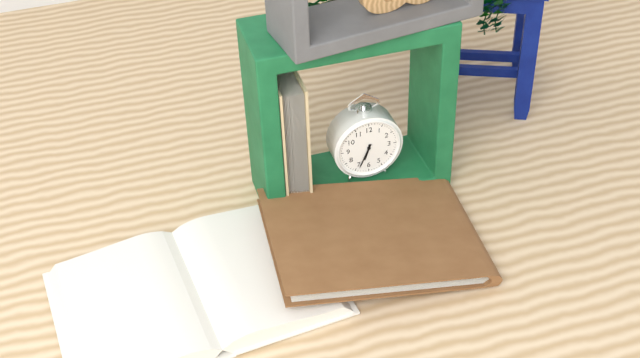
6:34
